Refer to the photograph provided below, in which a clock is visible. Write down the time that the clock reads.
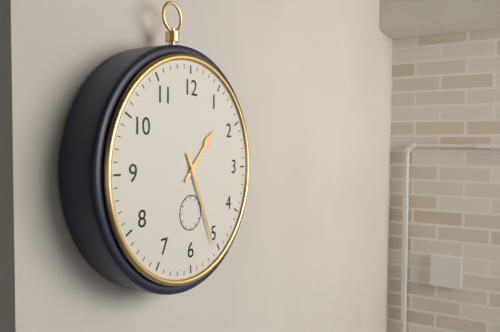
1:26
